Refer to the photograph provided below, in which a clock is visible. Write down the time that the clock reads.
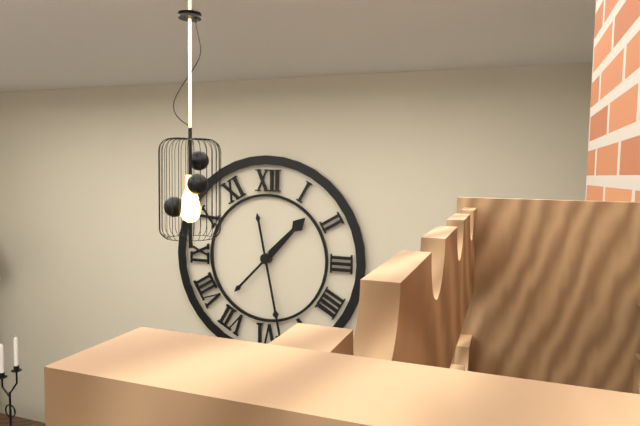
1:28
